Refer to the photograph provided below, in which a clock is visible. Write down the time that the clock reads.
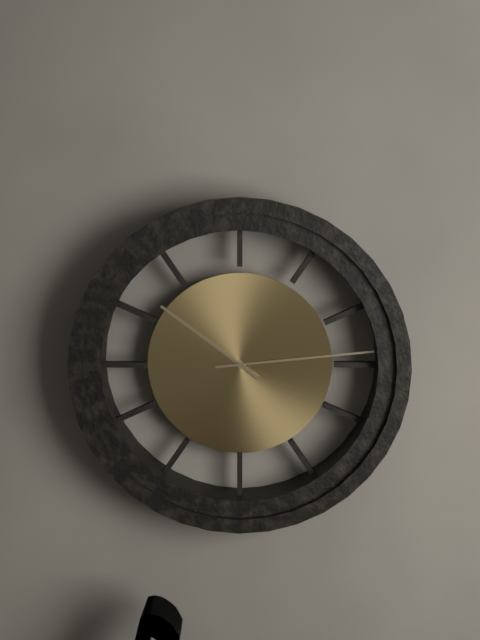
10:14
